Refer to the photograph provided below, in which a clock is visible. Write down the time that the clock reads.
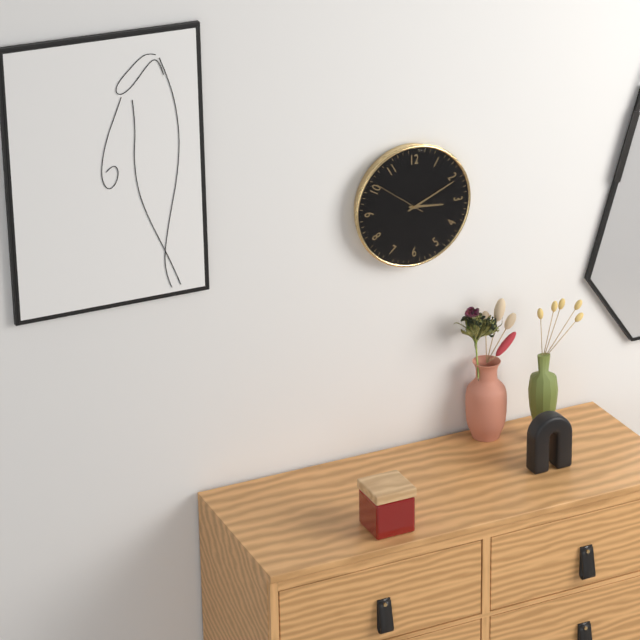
3:11:51
